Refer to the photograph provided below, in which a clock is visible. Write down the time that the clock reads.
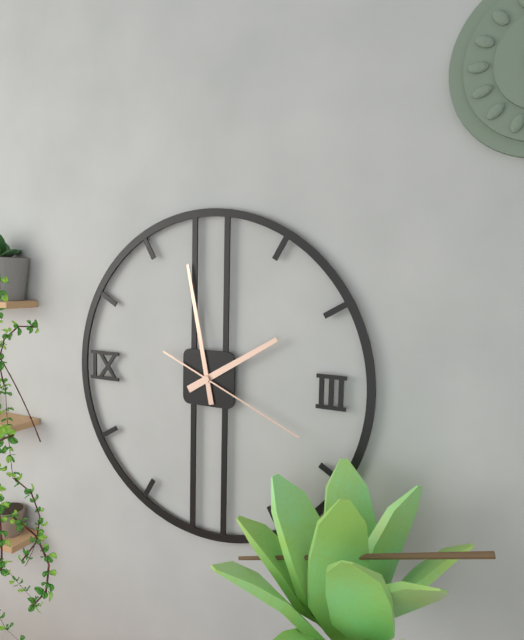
1:58:19
